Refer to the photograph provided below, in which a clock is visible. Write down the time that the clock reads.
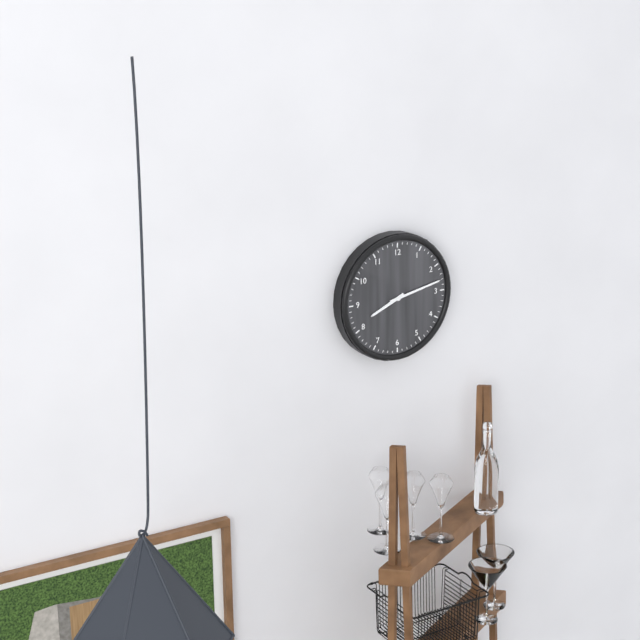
8:13
